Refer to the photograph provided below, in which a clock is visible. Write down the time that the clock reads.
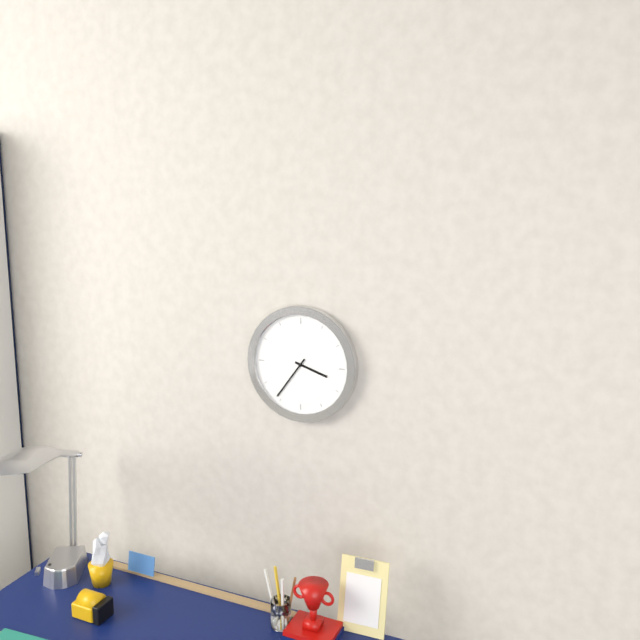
3:36
